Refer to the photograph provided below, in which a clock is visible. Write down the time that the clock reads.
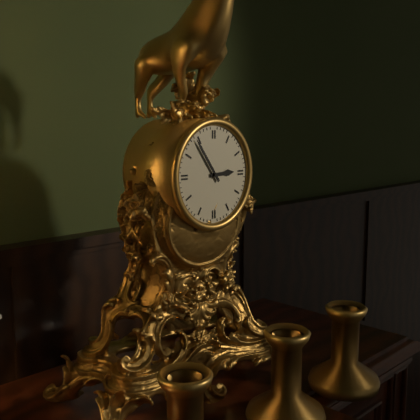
2:54
